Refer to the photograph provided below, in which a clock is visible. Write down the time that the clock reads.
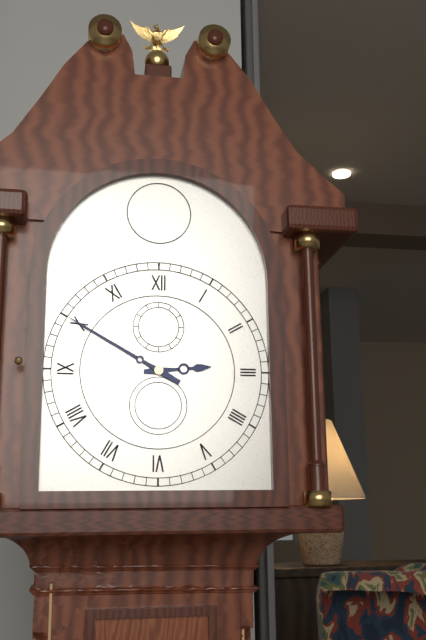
2:50
